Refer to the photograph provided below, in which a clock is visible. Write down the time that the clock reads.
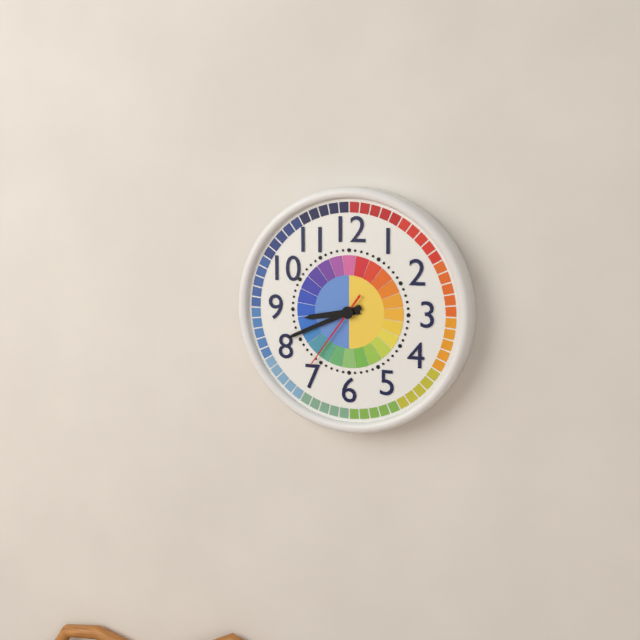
8:41:36
